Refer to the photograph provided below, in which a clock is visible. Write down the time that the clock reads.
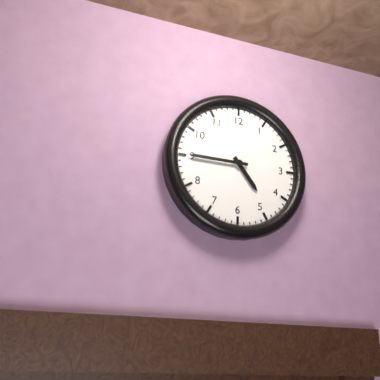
4:45
